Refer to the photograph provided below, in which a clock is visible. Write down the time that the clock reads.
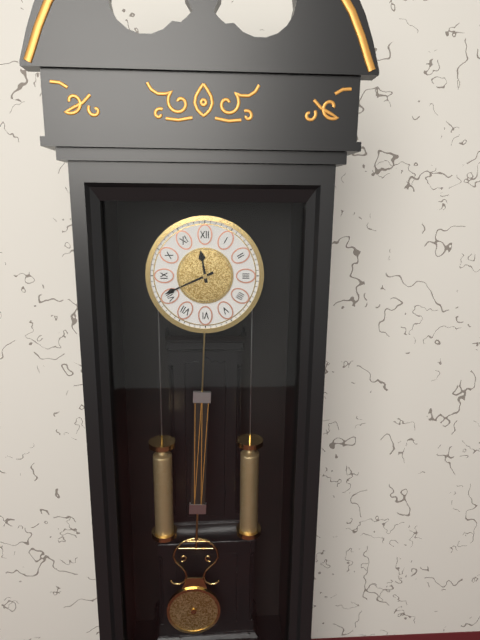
11:41
